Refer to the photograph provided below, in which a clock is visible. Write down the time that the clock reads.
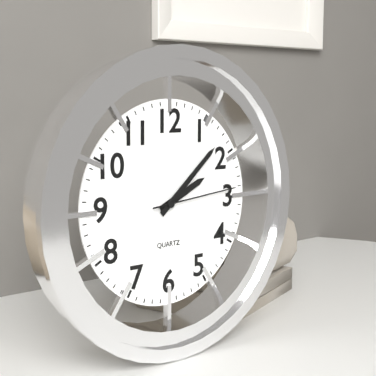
2:08:14
